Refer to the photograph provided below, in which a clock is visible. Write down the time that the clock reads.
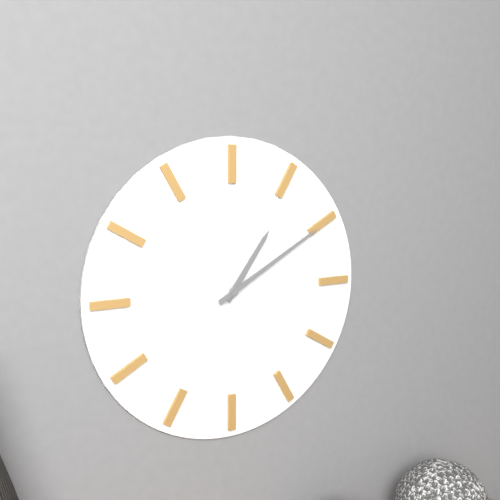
1:10
